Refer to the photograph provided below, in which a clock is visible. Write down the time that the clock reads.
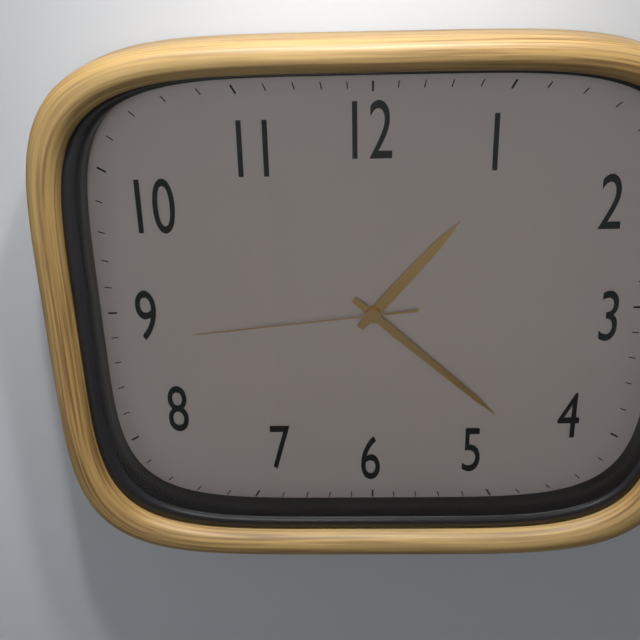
1:22:44
